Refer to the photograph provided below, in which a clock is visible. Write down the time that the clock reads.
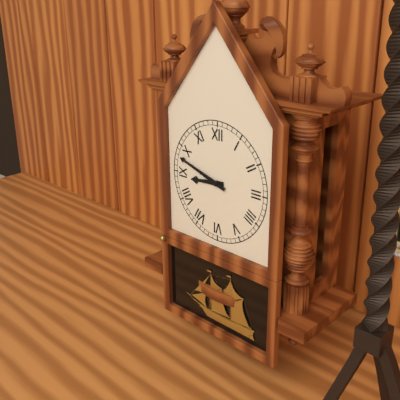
8:48
